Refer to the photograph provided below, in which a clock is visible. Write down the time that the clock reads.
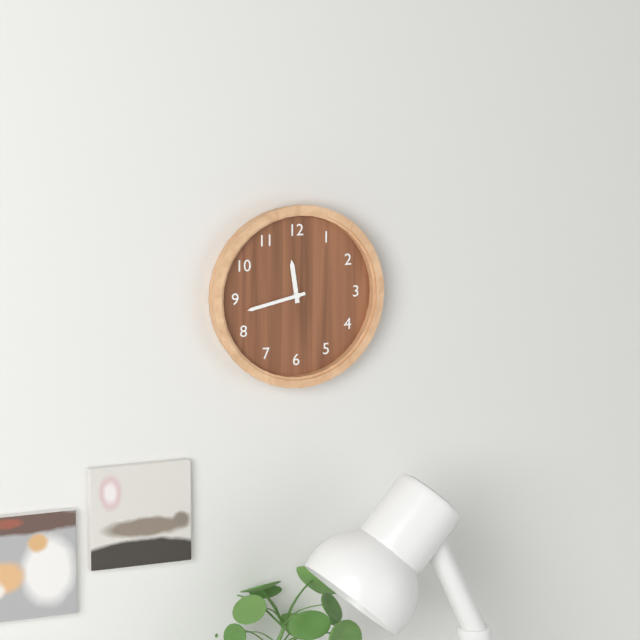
11:43
